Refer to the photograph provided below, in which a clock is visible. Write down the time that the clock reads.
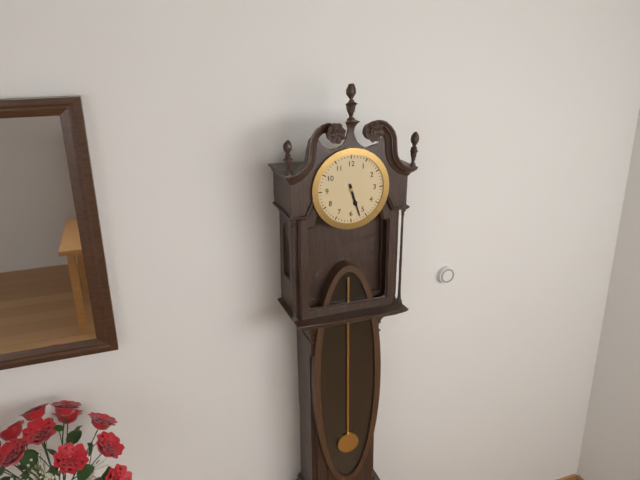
5:27
